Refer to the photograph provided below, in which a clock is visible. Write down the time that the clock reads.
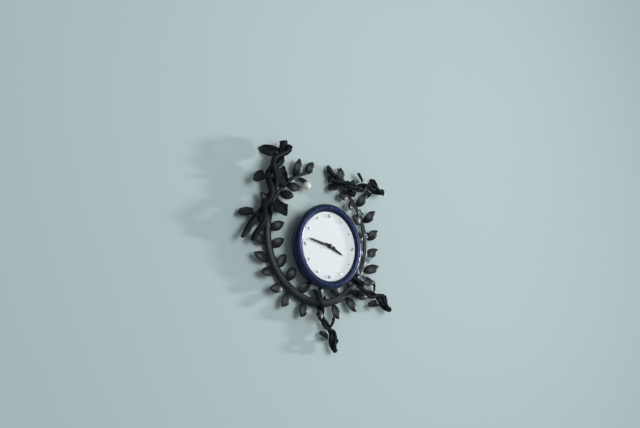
3:47
